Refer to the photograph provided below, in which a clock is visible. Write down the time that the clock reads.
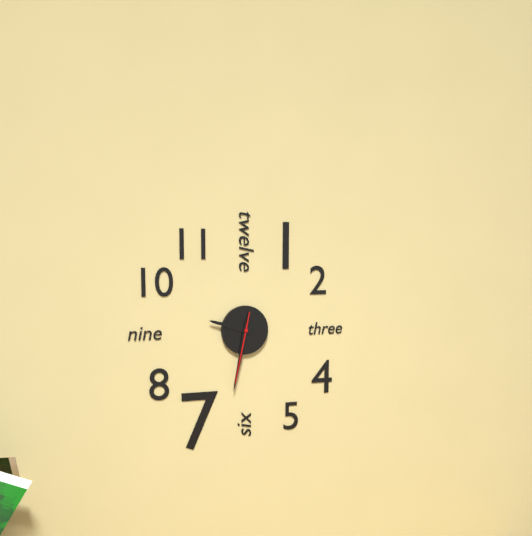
9:32:32
